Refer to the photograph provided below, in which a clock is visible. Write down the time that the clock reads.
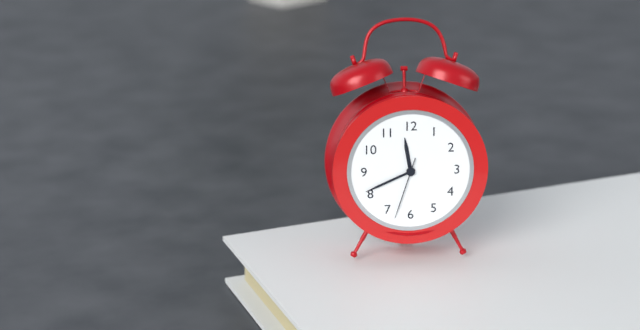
11:41:33
